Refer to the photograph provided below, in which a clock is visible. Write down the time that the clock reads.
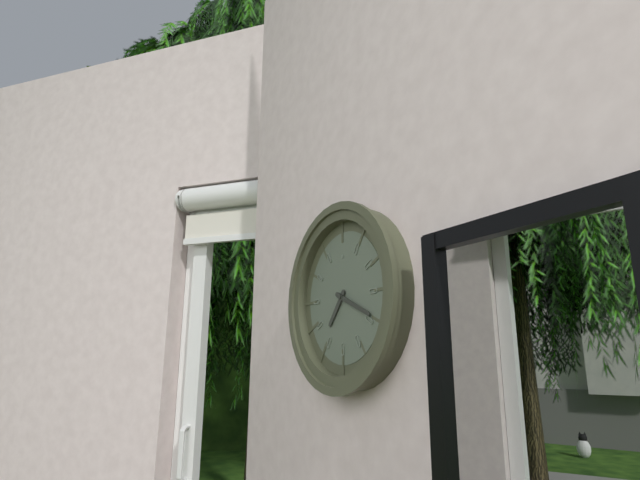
7:19
